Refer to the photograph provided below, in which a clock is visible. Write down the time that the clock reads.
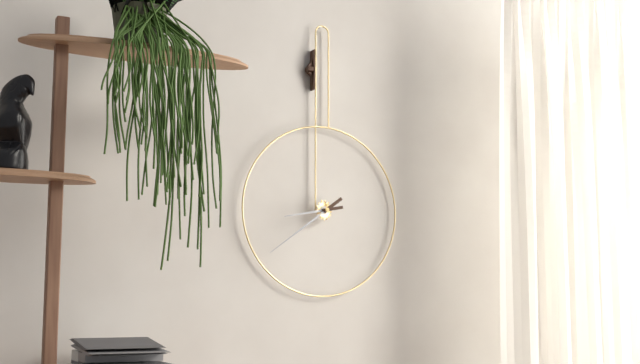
8:39
